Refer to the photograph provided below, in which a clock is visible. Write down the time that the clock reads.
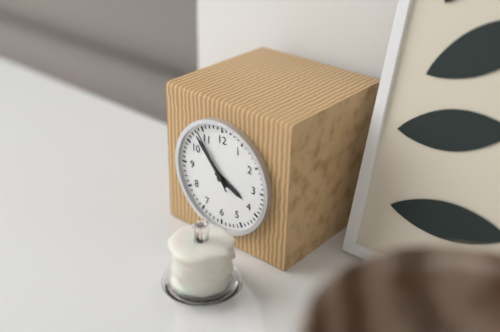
3:53:54
